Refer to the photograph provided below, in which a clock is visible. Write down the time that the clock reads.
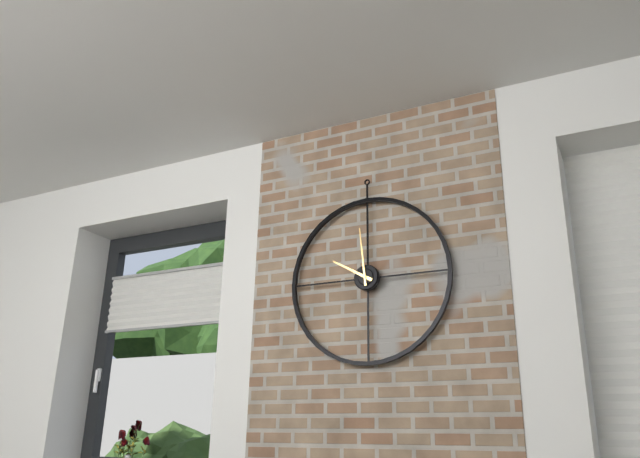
9:59
